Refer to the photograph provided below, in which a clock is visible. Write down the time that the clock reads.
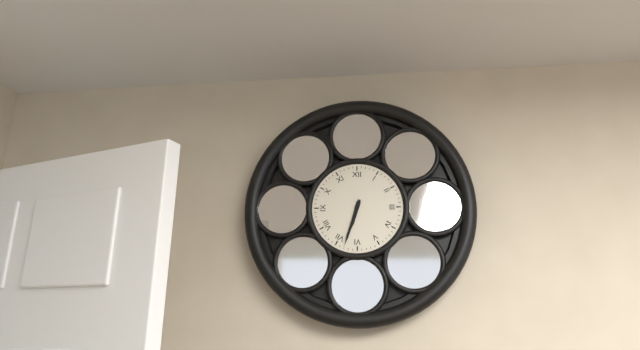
6:33
